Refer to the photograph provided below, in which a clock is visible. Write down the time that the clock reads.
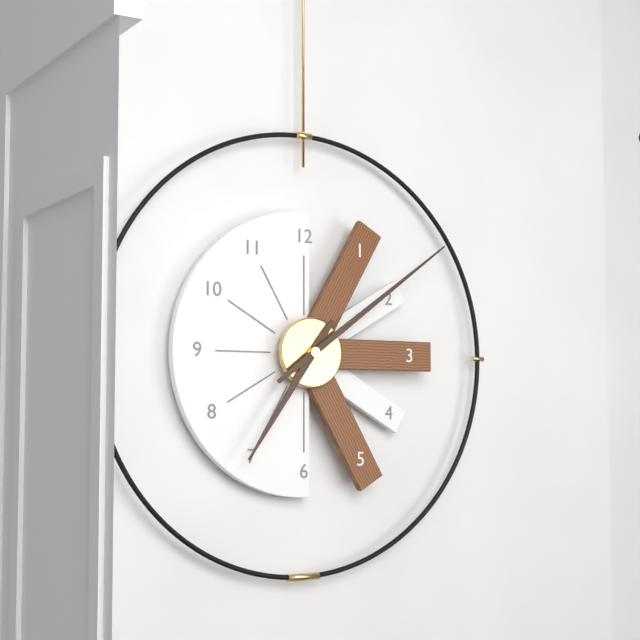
7:09
